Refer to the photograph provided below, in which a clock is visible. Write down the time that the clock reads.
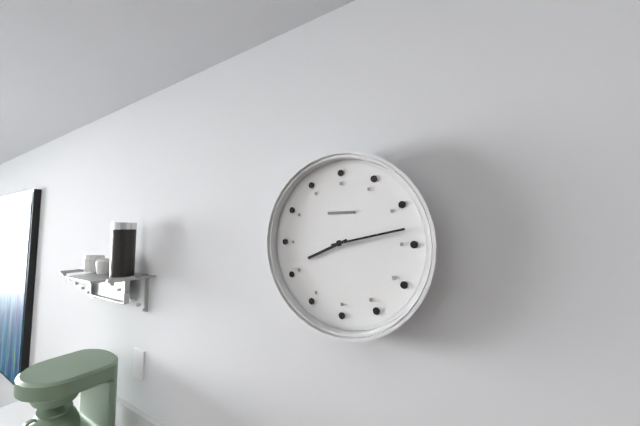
8:13
